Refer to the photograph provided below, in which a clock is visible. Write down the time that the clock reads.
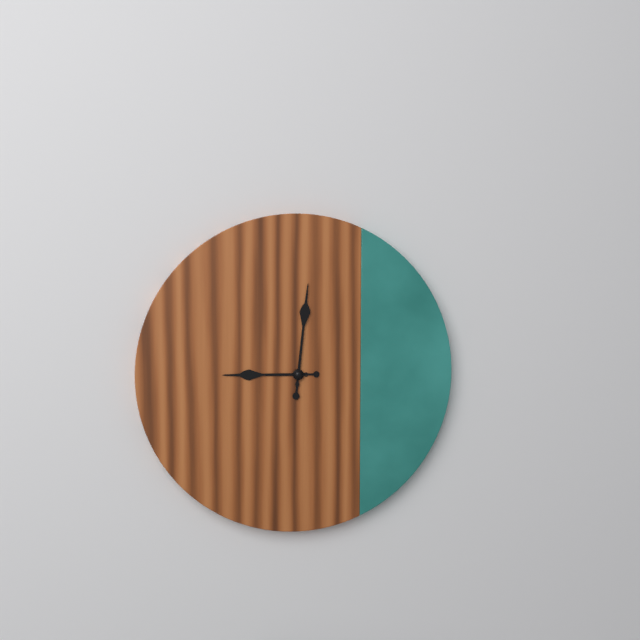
9:01
